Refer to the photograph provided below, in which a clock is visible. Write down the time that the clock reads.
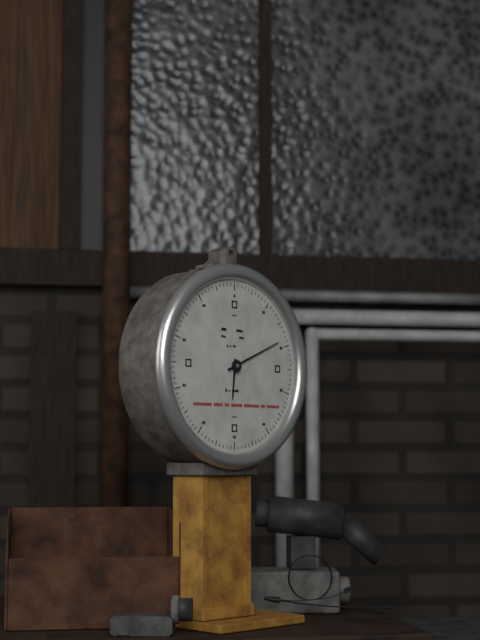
6:11
